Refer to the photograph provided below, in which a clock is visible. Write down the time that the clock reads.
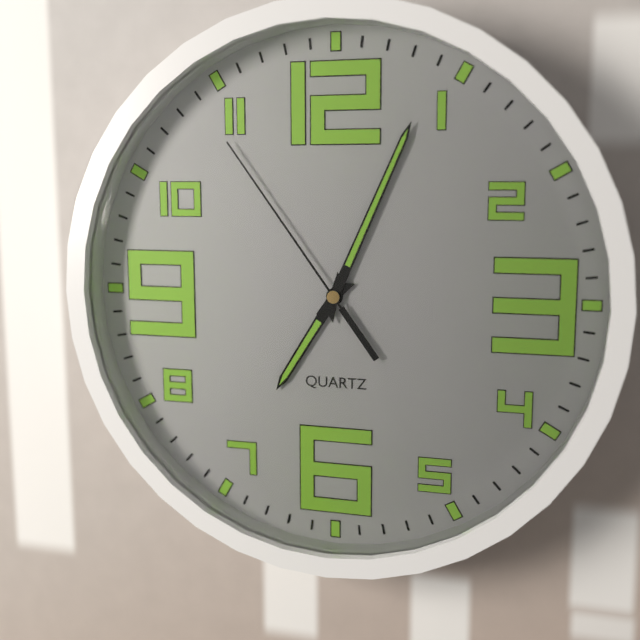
7:04:54
